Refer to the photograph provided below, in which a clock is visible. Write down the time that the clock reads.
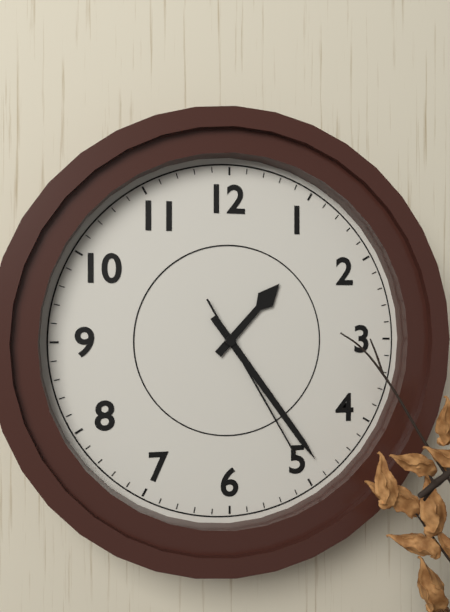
1:24:25
